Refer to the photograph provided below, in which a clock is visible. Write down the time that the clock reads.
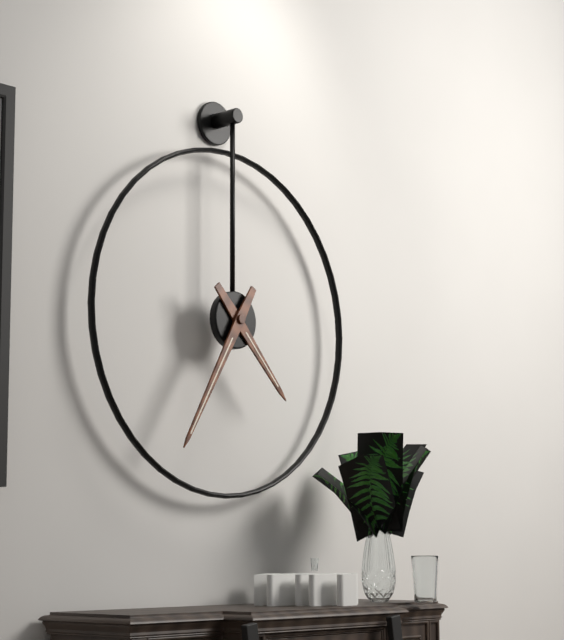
4:35
